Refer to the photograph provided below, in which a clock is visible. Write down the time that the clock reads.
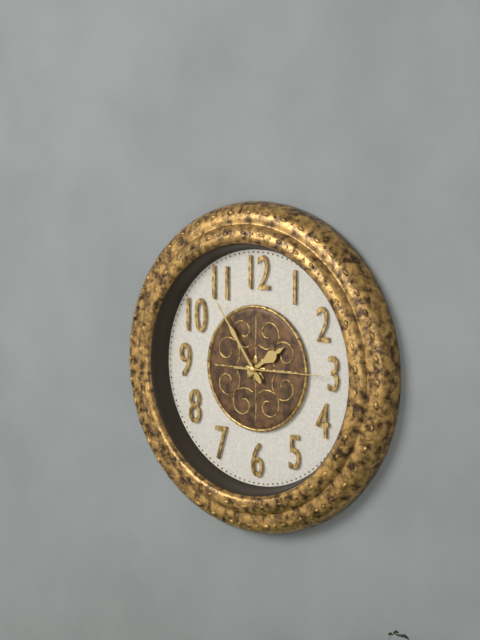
1:54:15
